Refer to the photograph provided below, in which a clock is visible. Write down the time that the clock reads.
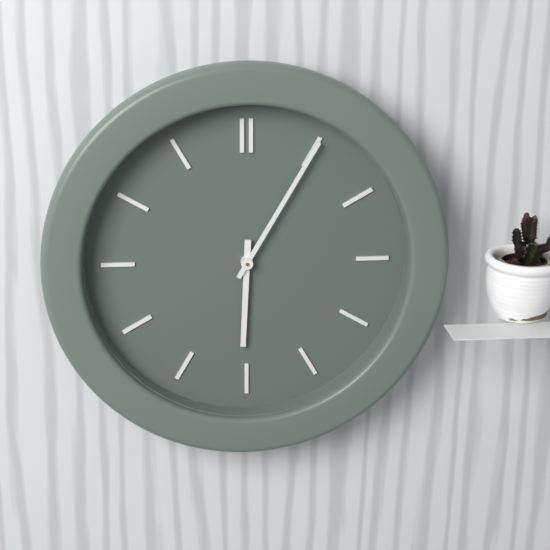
6:05
